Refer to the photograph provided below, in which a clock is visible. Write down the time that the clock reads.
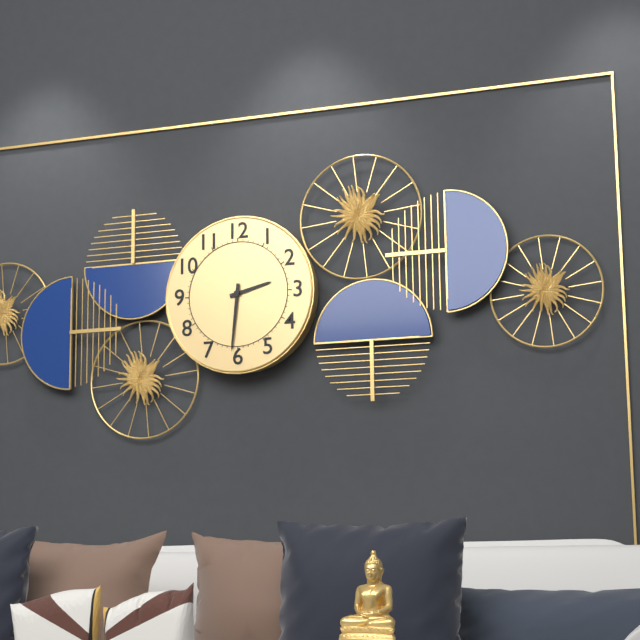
2:31
